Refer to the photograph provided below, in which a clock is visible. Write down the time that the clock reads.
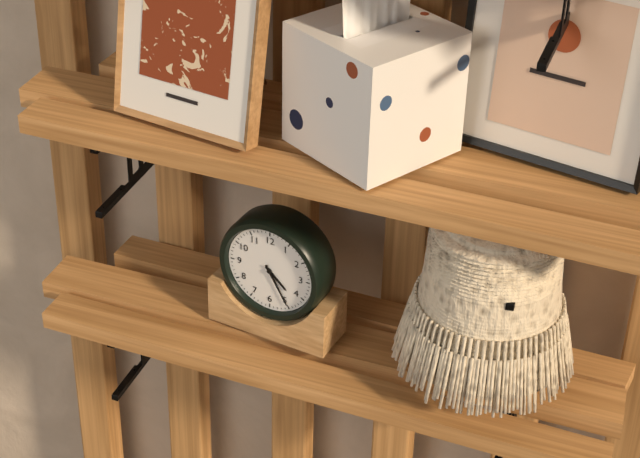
4:25
